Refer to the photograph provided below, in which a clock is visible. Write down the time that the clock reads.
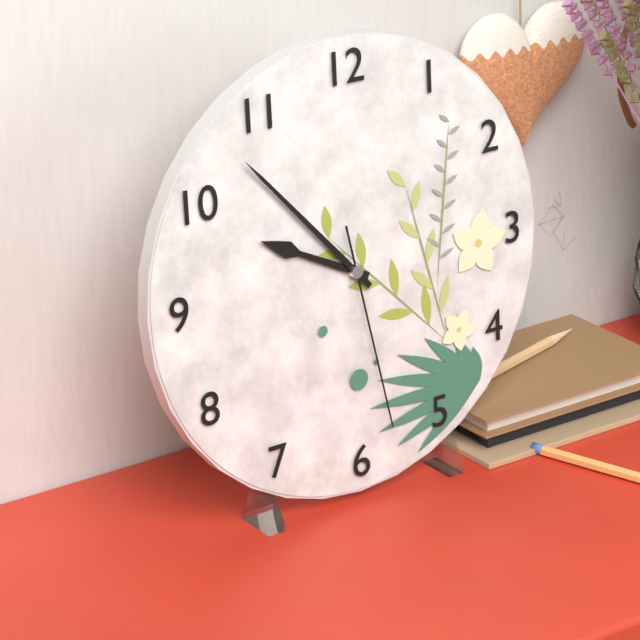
9:53:28
